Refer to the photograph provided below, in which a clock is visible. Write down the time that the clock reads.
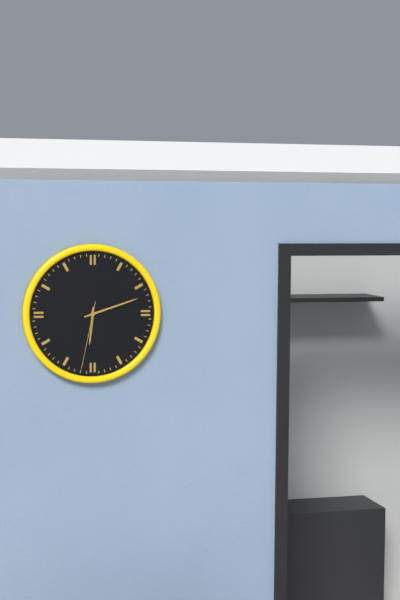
6:12:32
